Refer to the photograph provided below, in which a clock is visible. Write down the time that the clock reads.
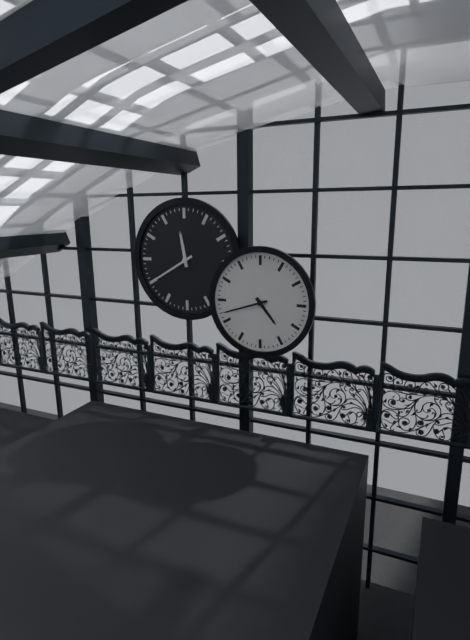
4:42
